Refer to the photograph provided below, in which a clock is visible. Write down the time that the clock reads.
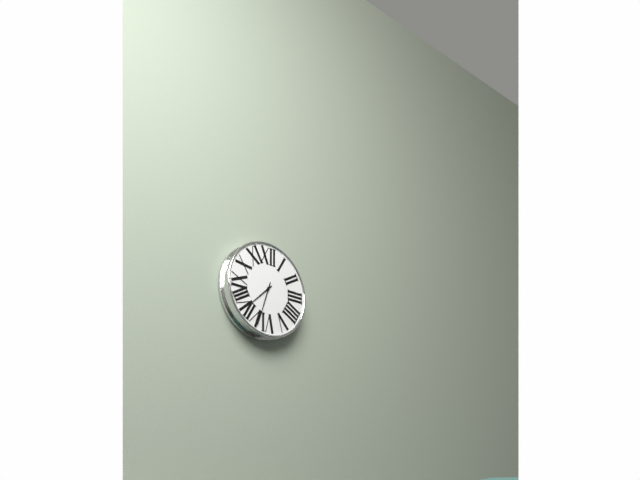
7:33
